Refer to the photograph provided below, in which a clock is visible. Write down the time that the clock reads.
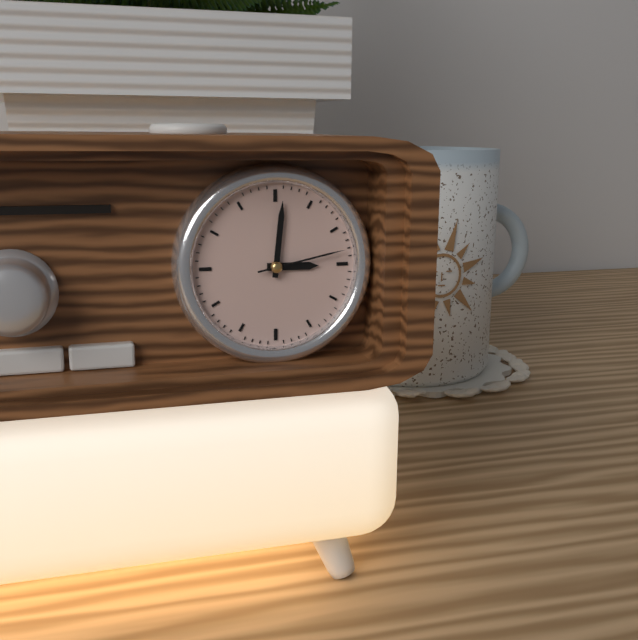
3:01:13
